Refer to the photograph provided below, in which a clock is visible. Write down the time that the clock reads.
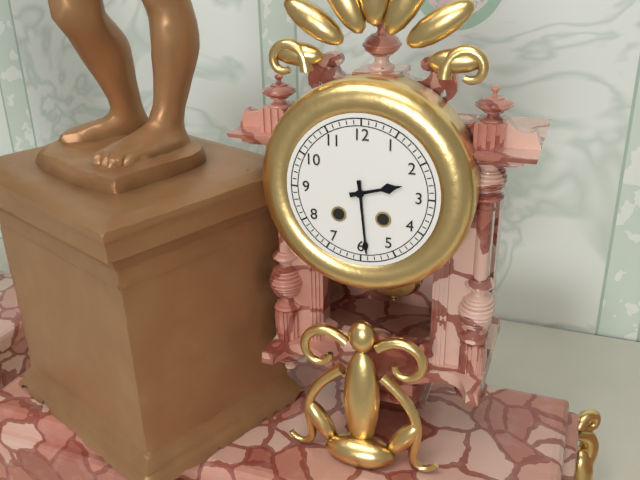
2:29
